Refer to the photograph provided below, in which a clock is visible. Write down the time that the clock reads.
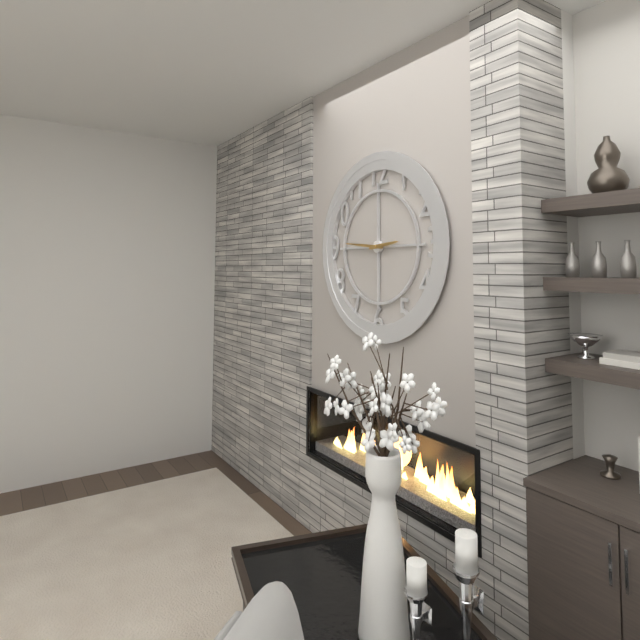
2:46
